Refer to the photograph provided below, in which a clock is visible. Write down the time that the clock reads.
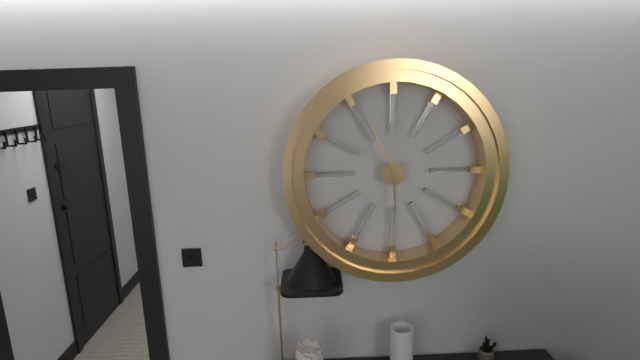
5:56
